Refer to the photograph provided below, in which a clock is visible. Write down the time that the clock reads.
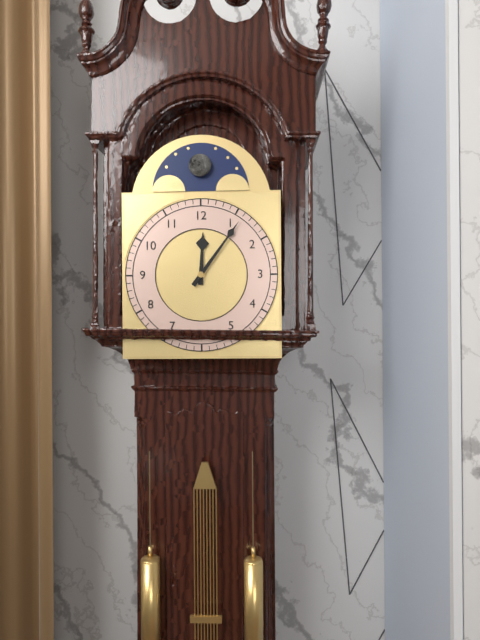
12:06
